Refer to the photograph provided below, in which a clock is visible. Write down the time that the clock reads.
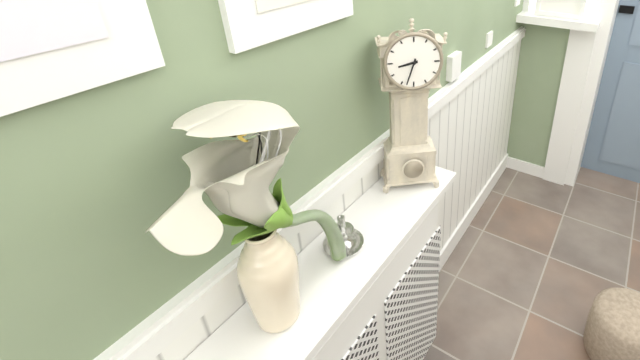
8:33
